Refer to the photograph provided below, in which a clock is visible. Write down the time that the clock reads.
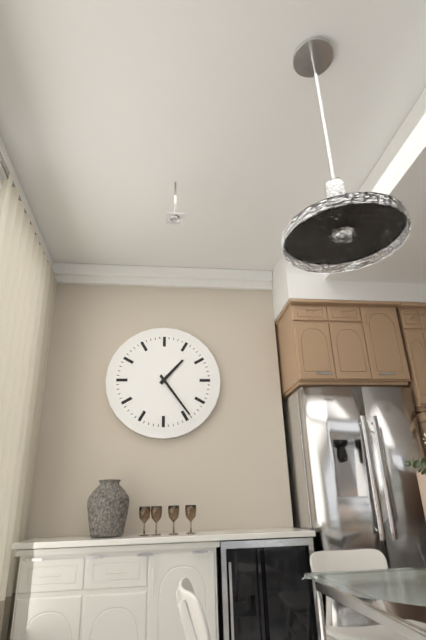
1:24
